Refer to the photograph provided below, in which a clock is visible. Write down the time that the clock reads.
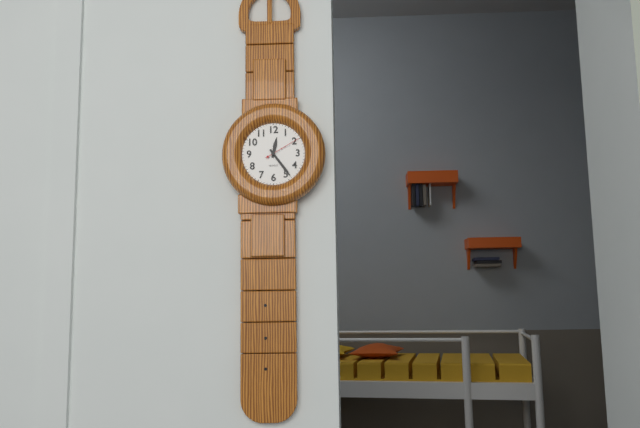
12:24
